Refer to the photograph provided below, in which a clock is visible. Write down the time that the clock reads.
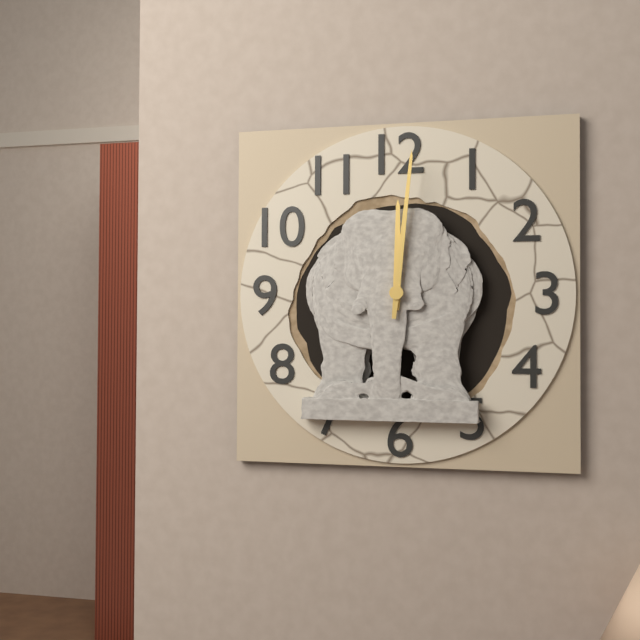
12:01
